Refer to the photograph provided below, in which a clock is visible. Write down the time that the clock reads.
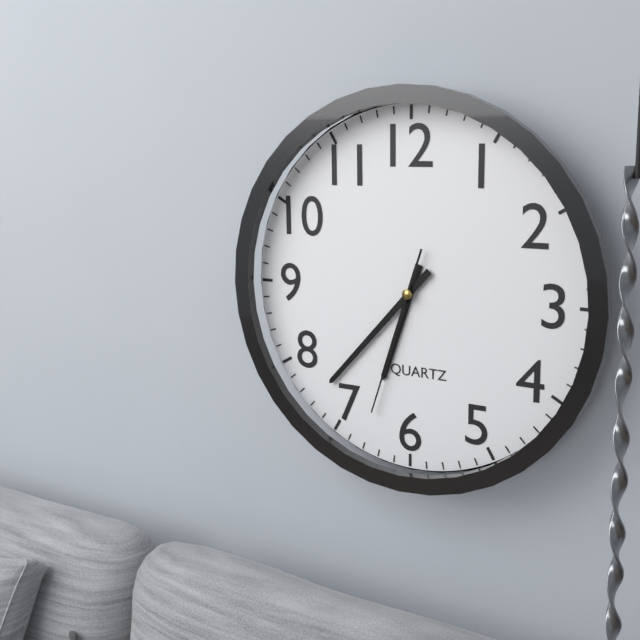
6:37:33
